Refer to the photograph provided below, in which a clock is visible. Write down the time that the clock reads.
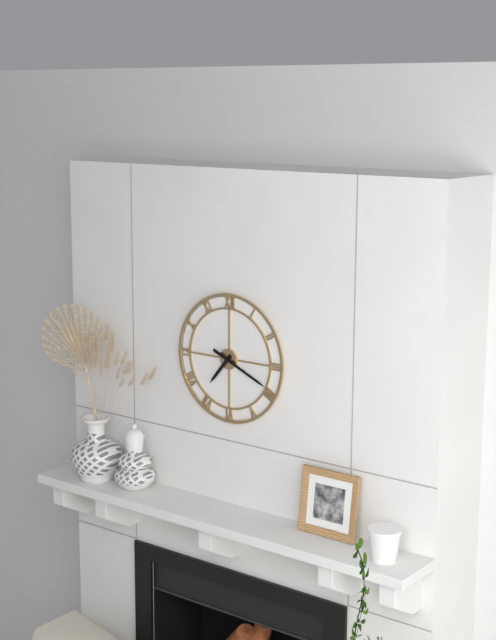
7:19
